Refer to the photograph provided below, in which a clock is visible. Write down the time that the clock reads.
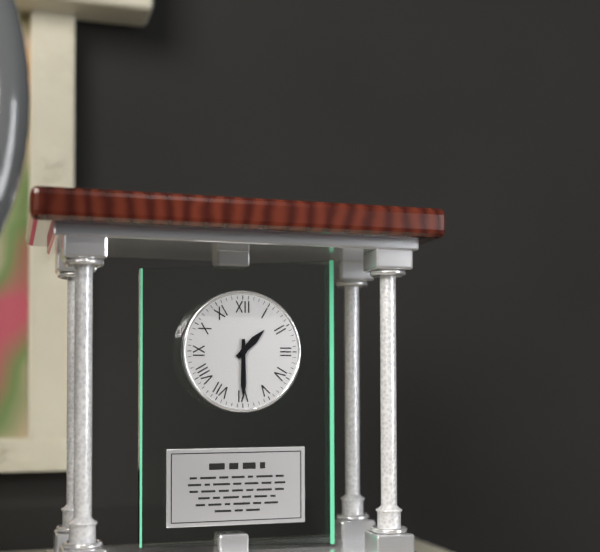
1:30
